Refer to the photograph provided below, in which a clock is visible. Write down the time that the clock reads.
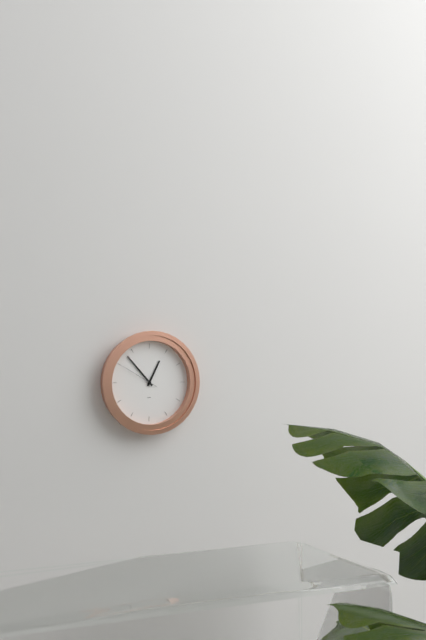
12:53
